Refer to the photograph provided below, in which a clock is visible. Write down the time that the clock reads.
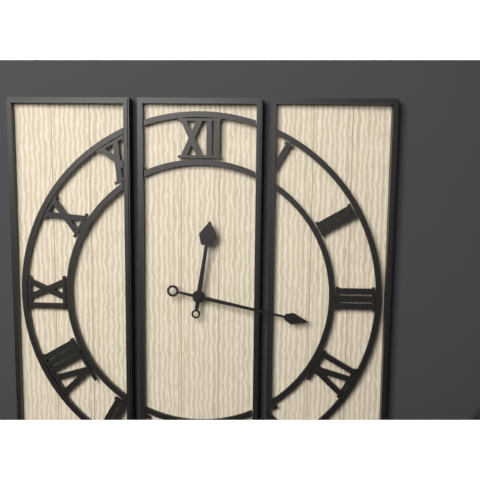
12:17
